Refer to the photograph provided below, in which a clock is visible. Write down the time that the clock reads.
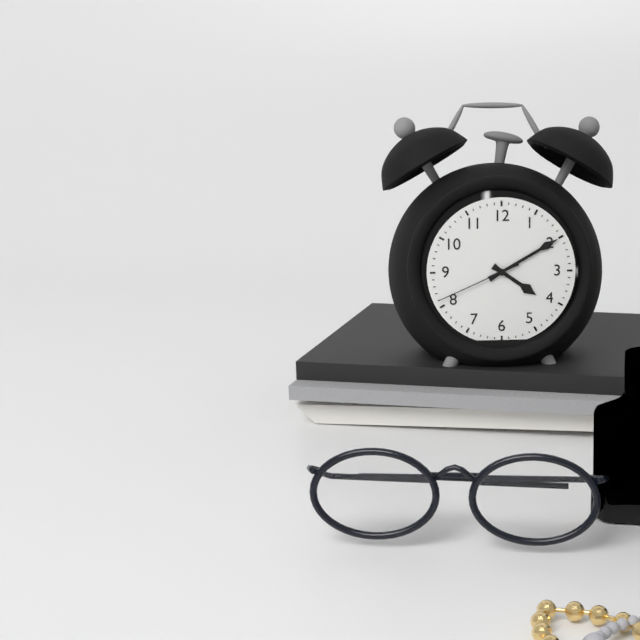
4:10:41
